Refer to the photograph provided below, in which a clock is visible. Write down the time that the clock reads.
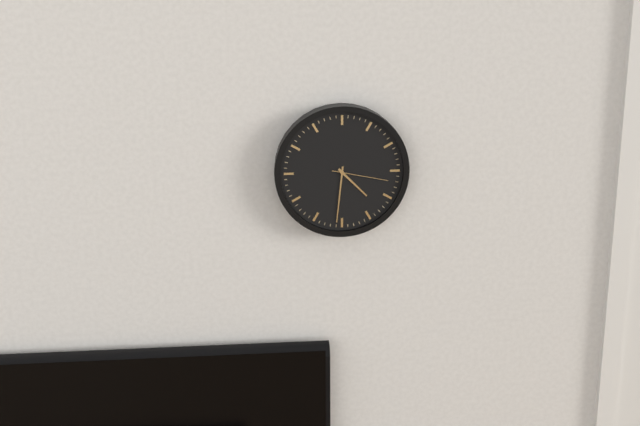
4:31:17
